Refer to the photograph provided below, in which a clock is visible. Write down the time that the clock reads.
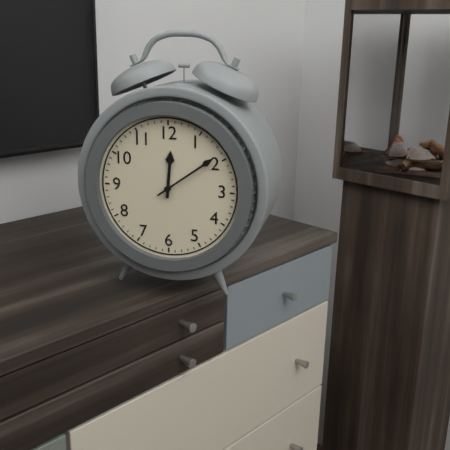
12:09
